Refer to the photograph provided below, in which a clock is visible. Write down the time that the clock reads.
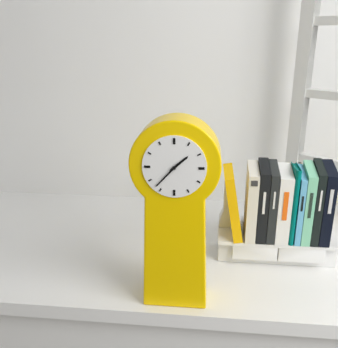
1:37
